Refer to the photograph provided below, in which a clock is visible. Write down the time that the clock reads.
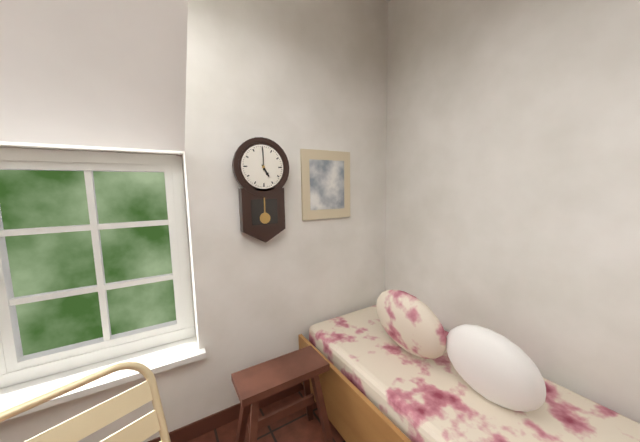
5:00
